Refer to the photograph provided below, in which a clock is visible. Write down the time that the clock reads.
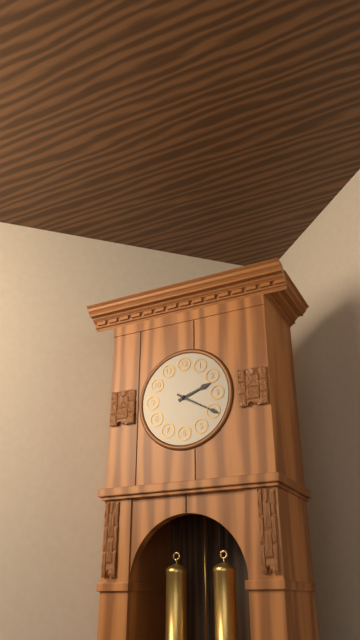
2:20
